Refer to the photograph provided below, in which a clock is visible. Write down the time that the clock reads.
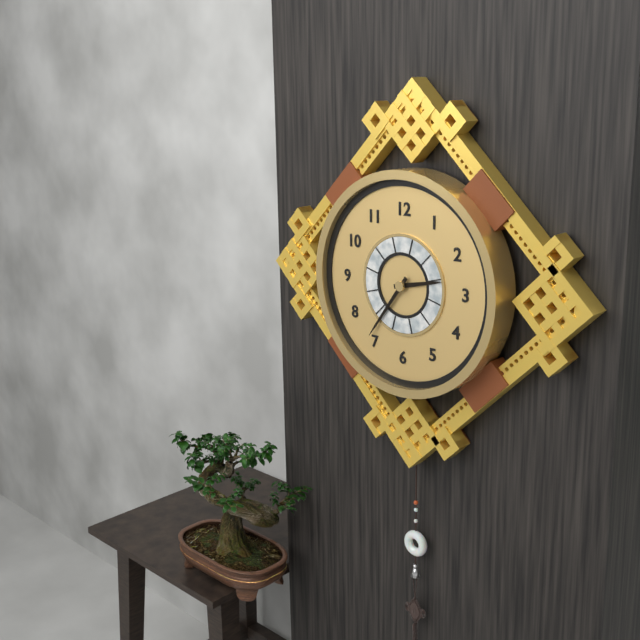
2:36
